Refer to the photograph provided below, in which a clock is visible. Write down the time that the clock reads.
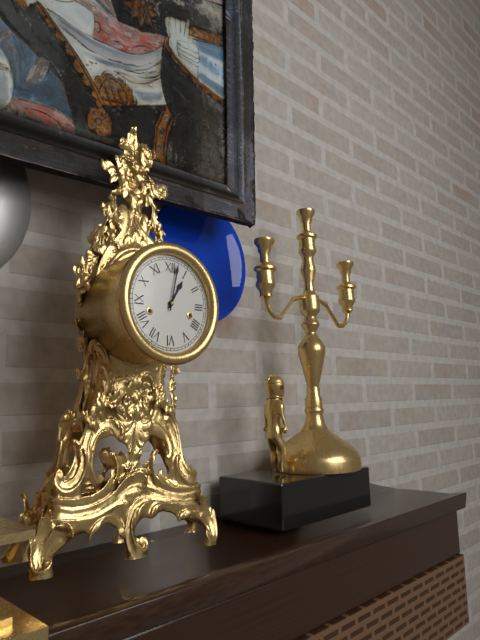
1:02
